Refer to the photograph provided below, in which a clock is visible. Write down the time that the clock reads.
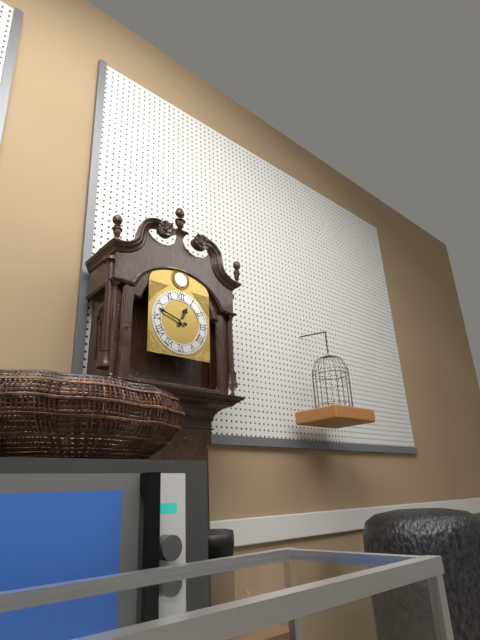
12:48
